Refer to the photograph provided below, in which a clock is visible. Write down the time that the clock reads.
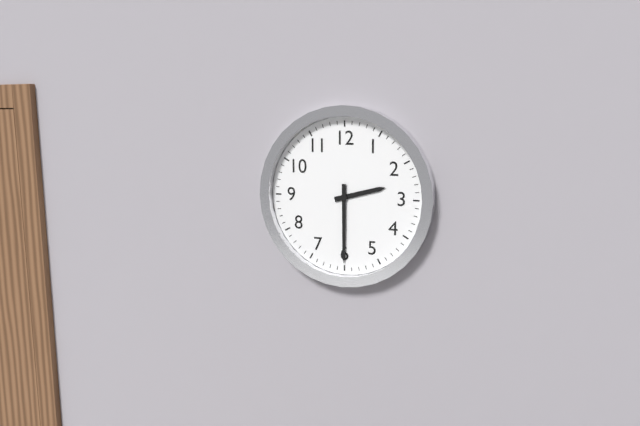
2:30
